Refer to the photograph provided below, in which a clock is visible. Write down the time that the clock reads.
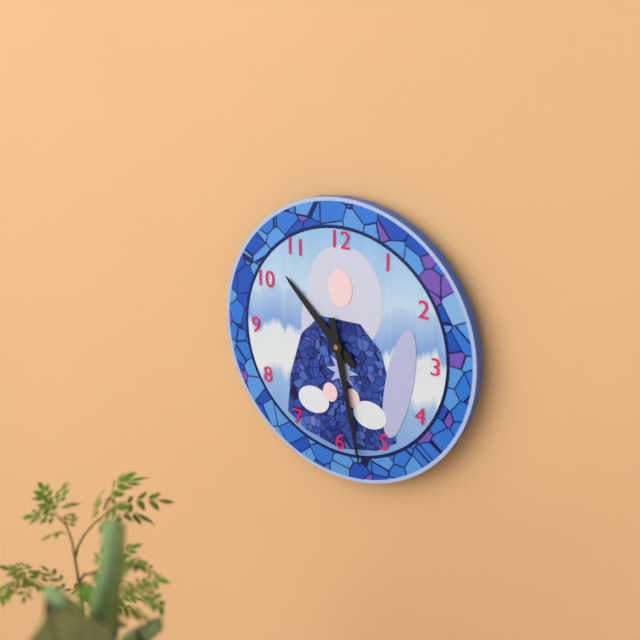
10:28
